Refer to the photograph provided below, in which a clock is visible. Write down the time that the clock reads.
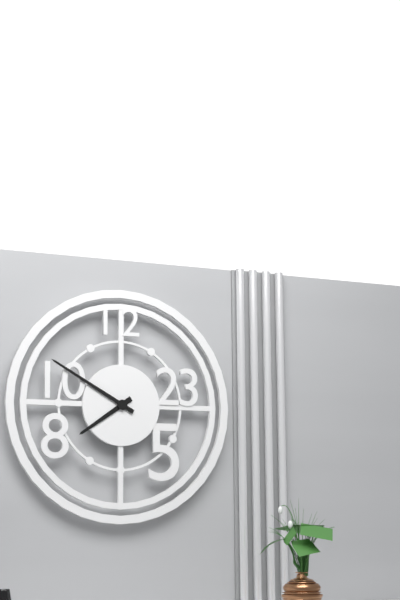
7:50
